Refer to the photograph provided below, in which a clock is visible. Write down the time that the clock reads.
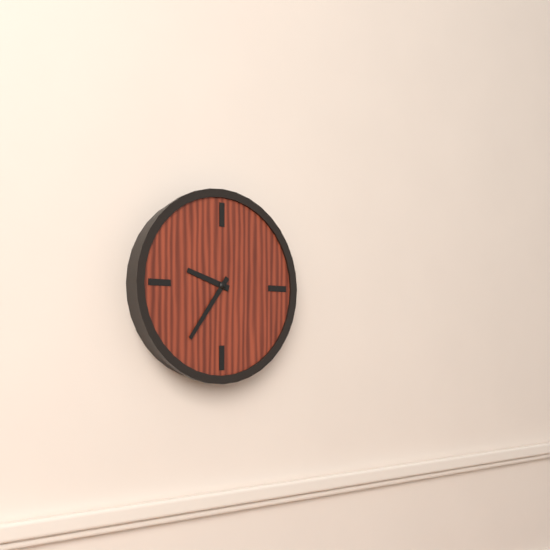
9:36
